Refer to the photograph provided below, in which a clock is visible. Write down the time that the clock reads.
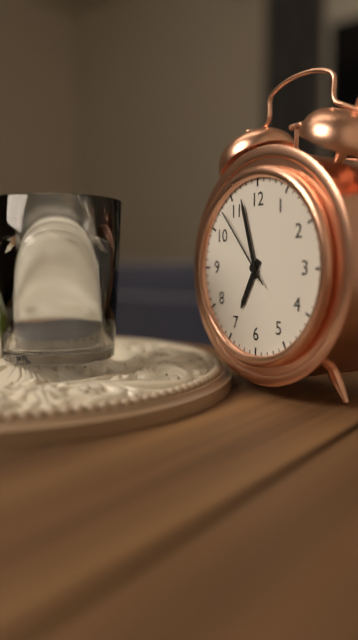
6:57:53
